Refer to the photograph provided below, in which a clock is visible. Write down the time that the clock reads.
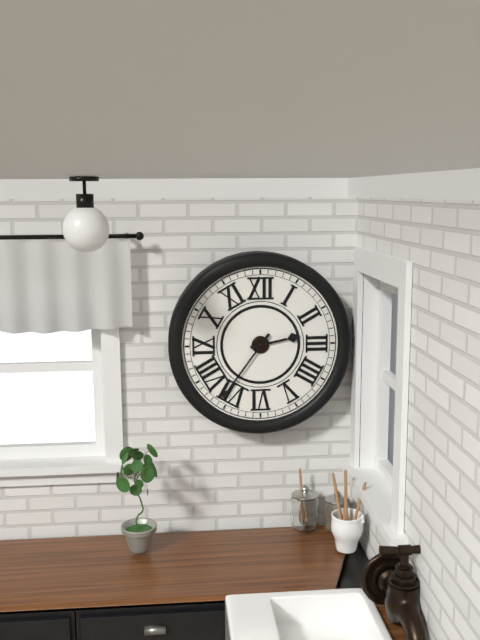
2:36
